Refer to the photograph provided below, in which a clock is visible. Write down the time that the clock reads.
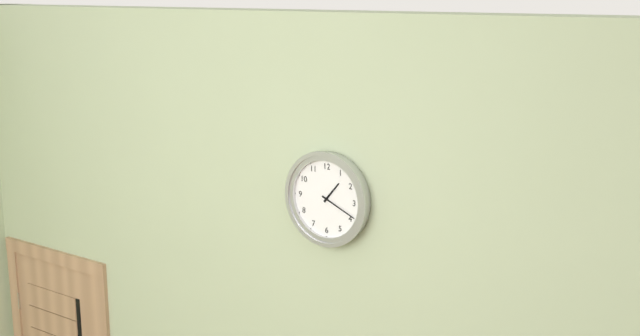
1:19
